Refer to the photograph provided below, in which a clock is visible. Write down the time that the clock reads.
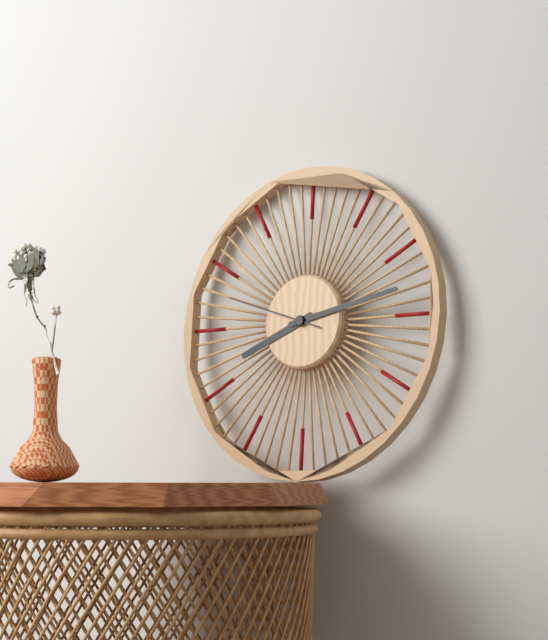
8:13:48
